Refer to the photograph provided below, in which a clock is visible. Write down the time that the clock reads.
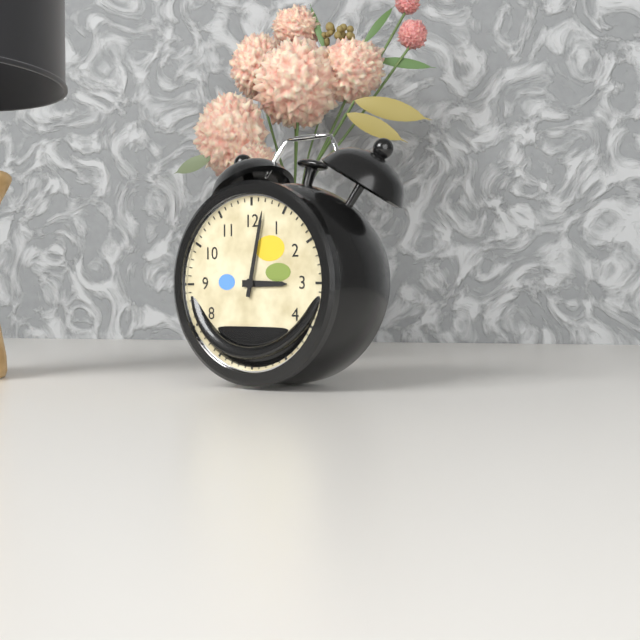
3:02
